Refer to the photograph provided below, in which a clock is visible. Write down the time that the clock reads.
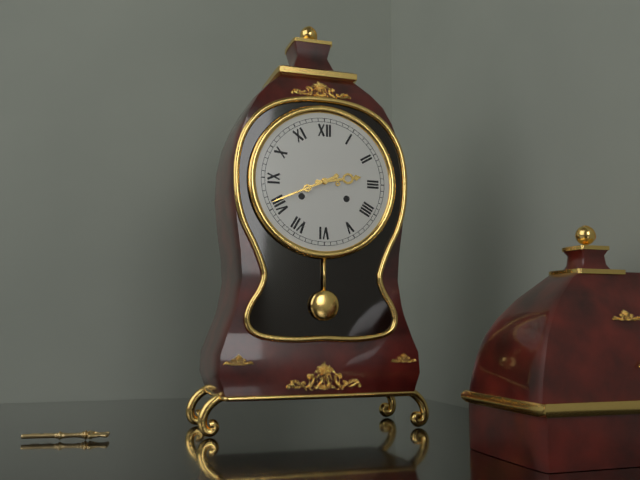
2:41
